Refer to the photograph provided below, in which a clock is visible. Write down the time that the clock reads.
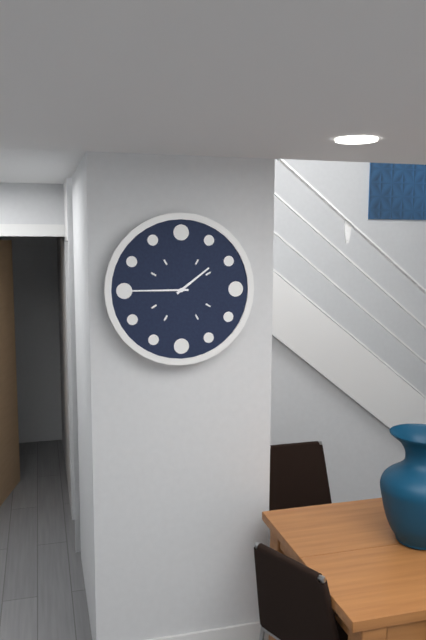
1:45
